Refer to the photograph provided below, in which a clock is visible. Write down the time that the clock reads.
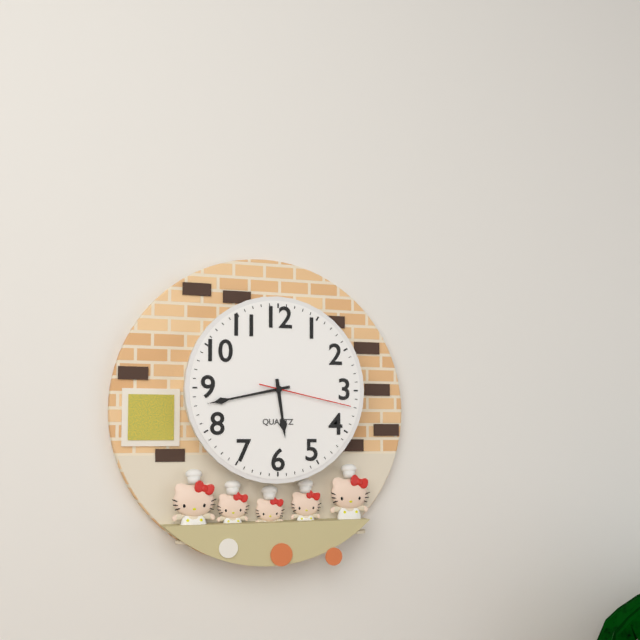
5:43:17
